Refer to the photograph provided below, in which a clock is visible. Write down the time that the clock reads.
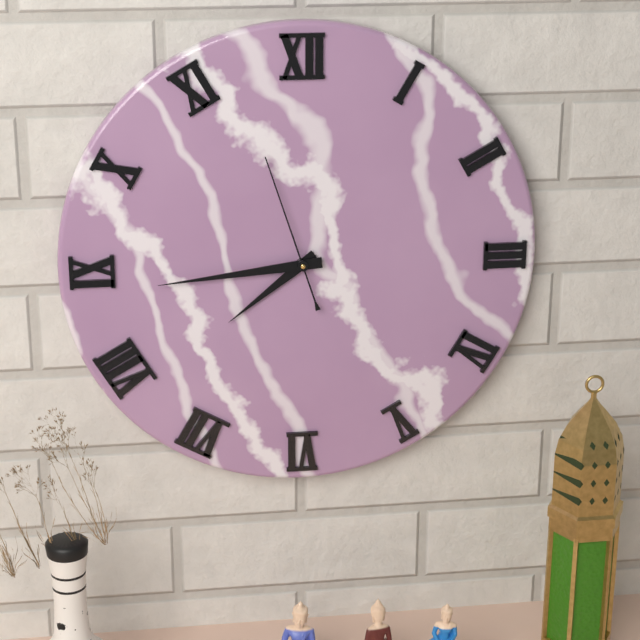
7:44:57
